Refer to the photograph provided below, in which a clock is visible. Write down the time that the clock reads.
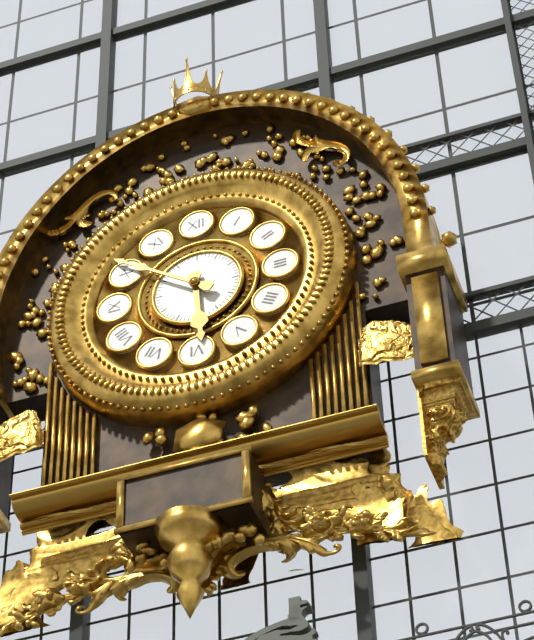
5:51
